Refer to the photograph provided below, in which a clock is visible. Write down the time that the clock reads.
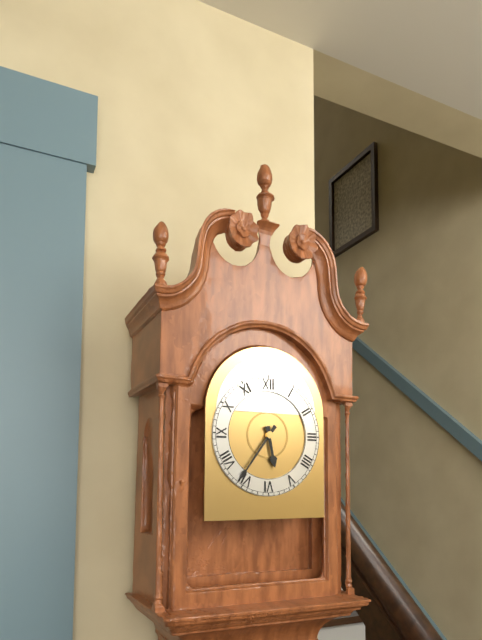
5:36
